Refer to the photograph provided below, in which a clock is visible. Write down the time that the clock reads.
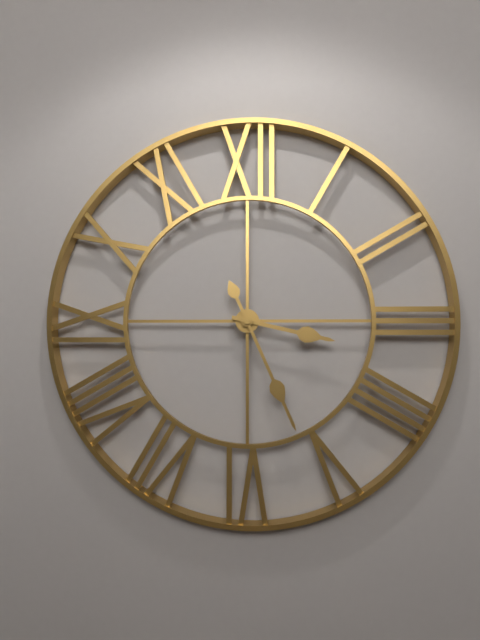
3:26
